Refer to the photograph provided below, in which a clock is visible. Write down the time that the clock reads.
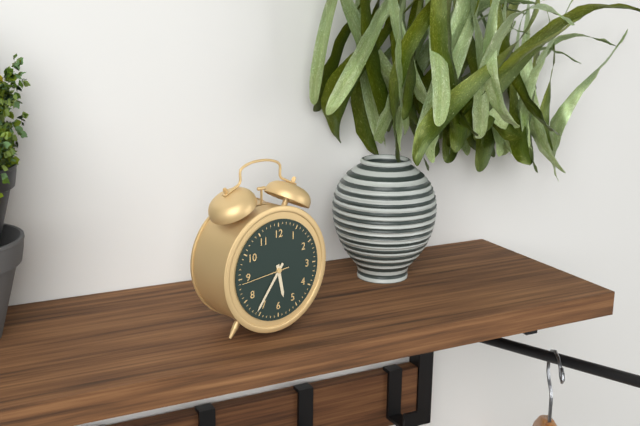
5:36
